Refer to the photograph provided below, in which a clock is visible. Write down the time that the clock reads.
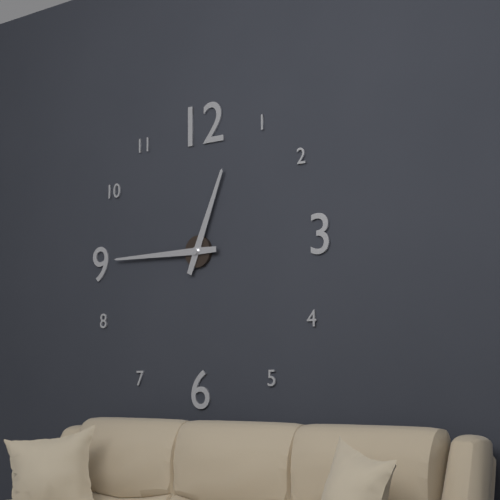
12:45
